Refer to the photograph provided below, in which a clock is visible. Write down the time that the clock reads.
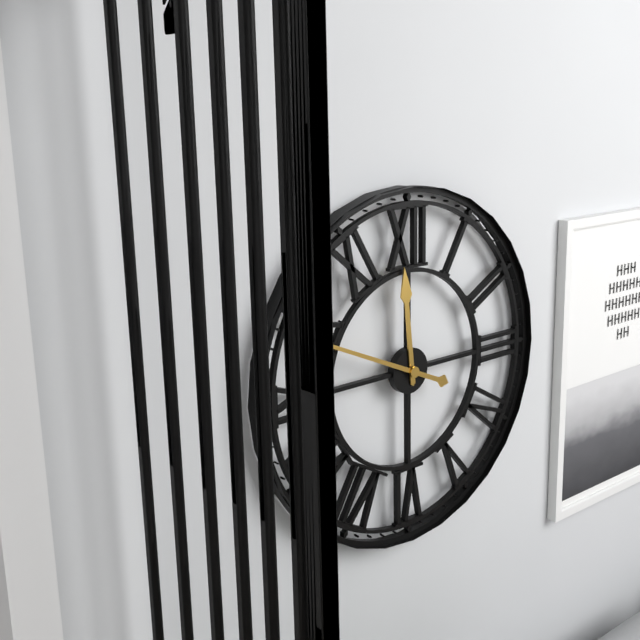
11:49
